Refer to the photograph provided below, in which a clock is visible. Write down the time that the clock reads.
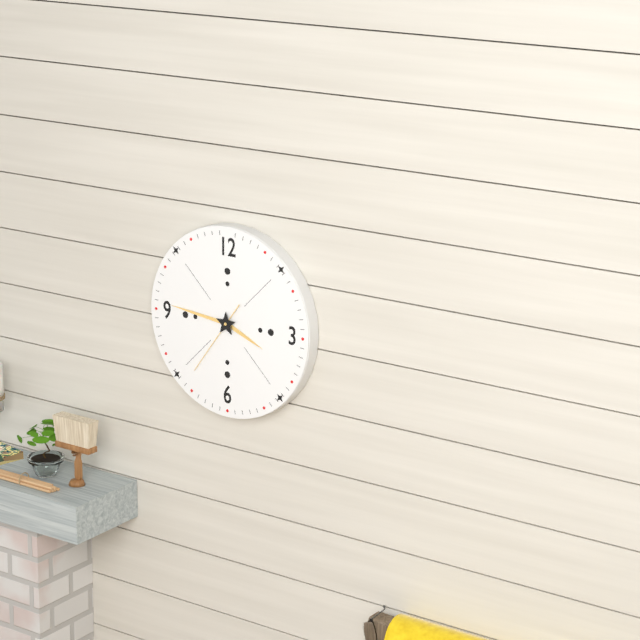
3:46:36
